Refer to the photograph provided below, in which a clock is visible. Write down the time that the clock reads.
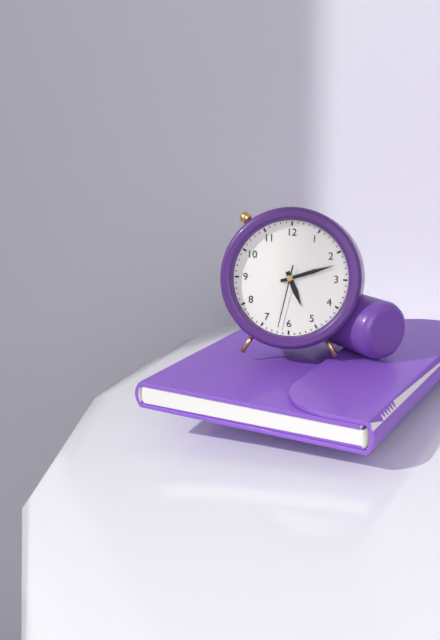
5:12:32
